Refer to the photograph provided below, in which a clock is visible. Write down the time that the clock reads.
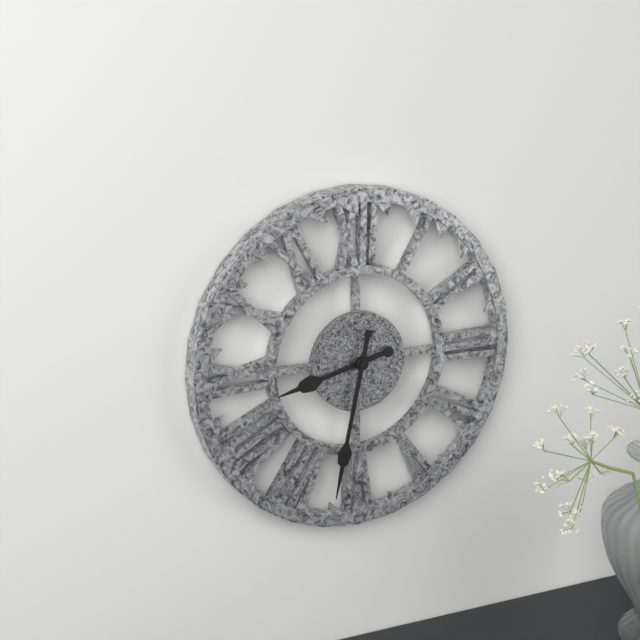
8:32
